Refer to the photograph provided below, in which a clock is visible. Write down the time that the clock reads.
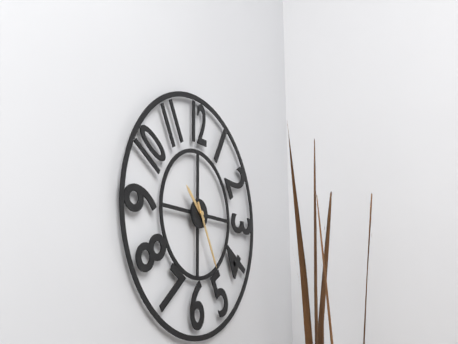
10:25
